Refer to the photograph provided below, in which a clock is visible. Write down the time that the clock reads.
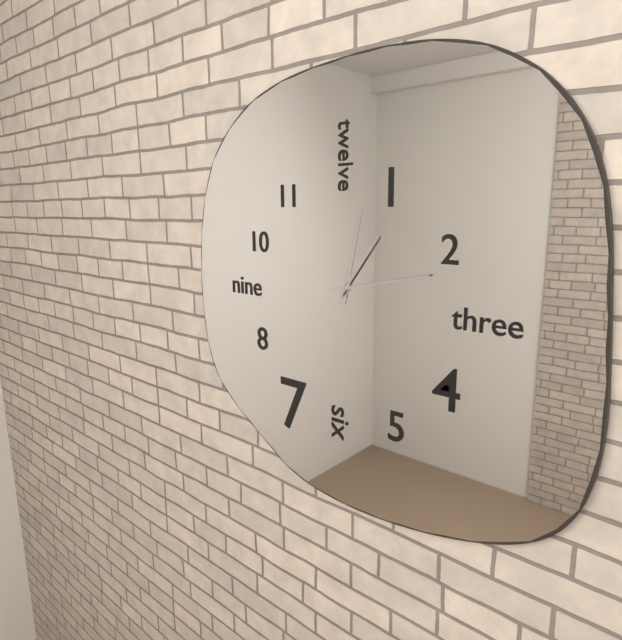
1:13:02
